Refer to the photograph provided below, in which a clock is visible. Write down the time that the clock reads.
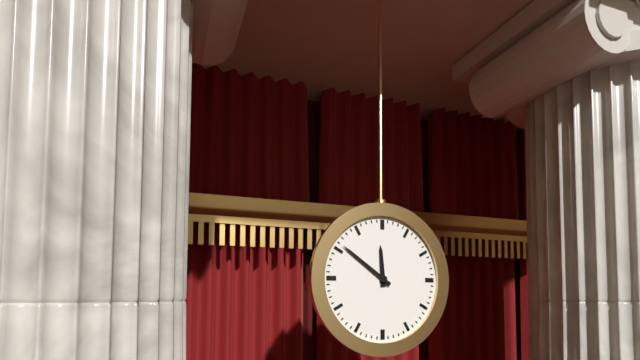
11:51
